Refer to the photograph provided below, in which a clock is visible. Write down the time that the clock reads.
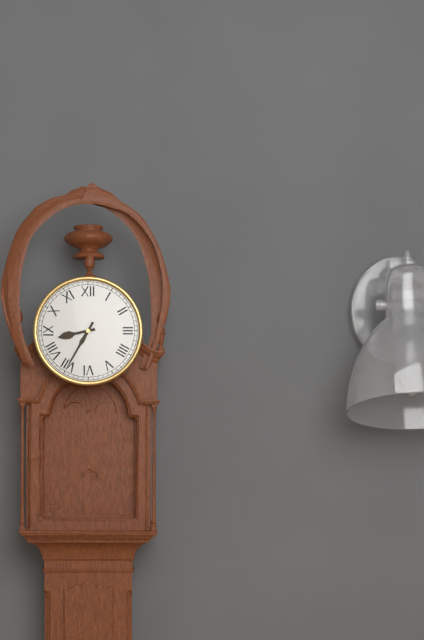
8:35
